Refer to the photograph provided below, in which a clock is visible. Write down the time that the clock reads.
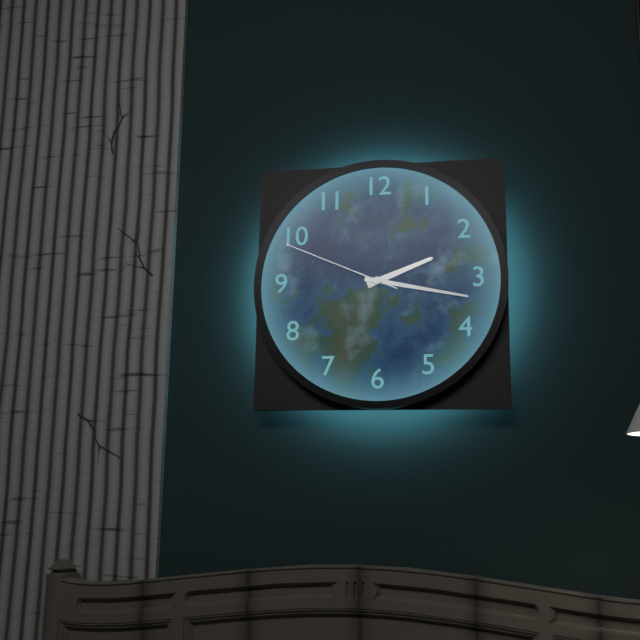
2:17:49
